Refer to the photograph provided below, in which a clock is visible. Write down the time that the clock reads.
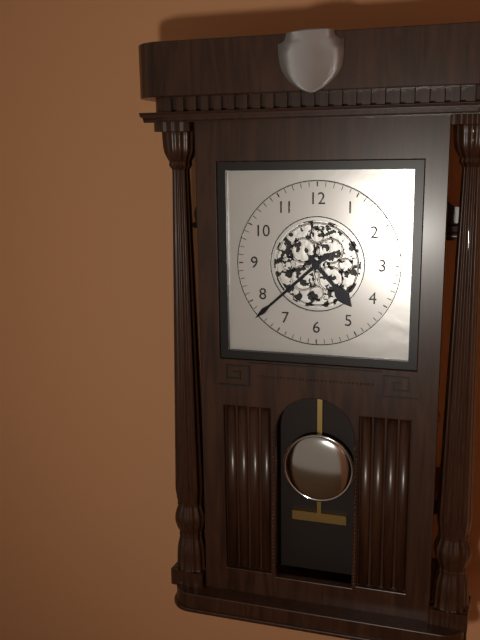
4:38
